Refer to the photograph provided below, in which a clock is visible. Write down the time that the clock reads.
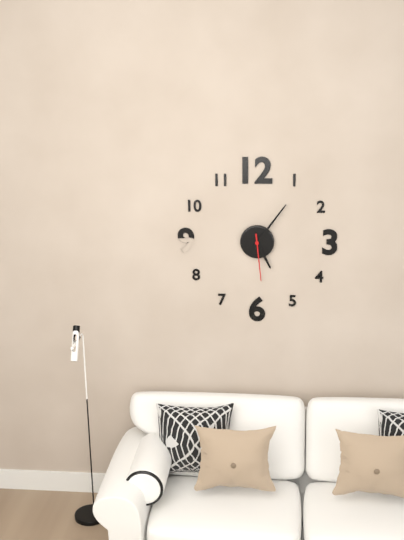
5:06
